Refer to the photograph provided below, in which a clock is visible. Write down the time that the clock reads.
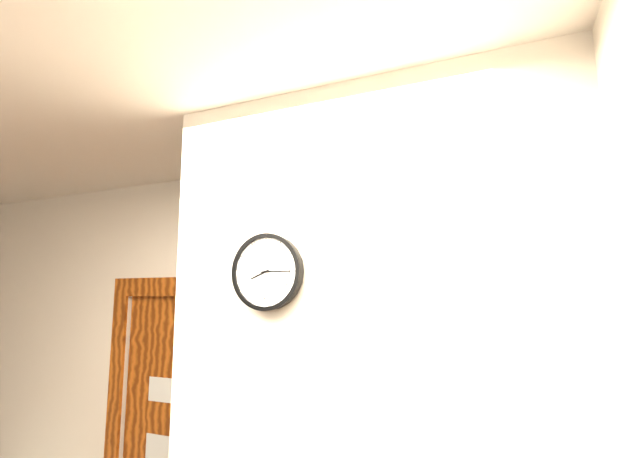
8:15
